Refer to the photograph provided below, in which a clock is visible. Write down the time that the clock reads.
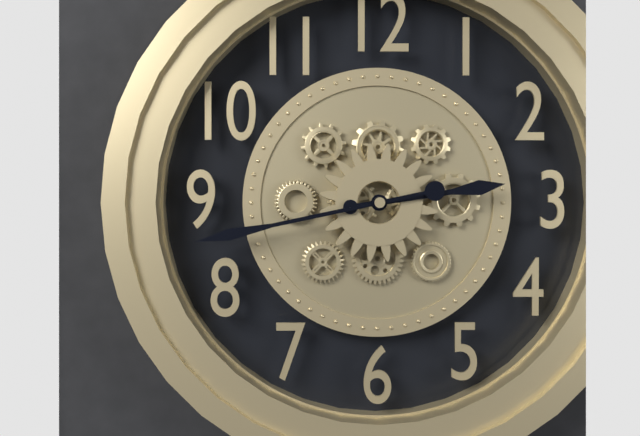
2:43
